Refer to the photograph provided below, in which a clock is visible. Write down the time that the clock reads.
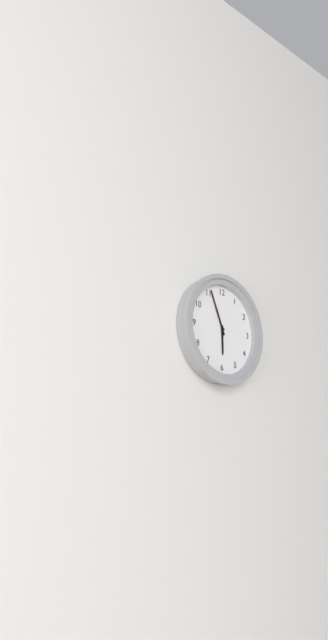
5:56
